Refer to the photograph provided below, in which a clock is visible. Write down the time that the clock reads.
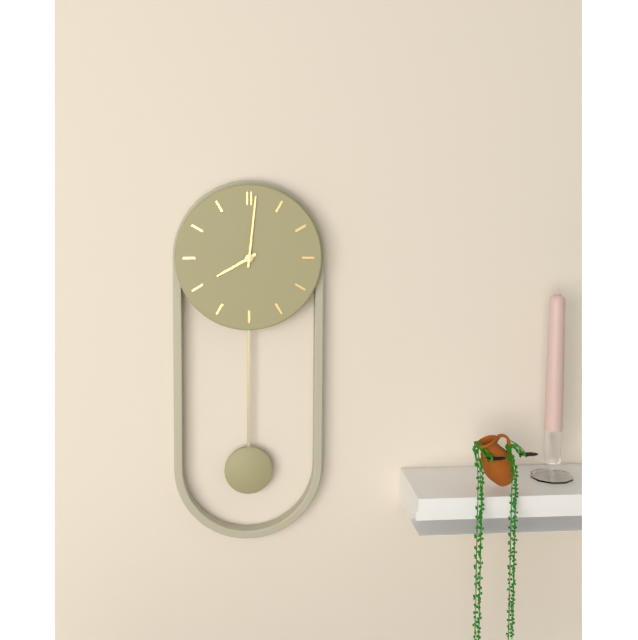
8:01
